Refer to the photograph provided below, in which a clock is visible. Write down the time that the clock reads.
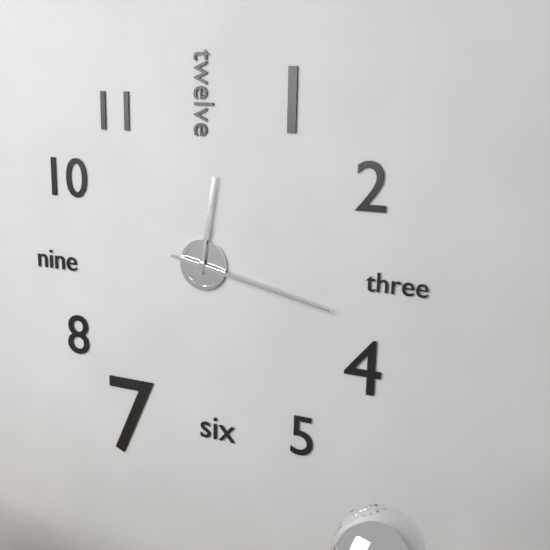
12:17
